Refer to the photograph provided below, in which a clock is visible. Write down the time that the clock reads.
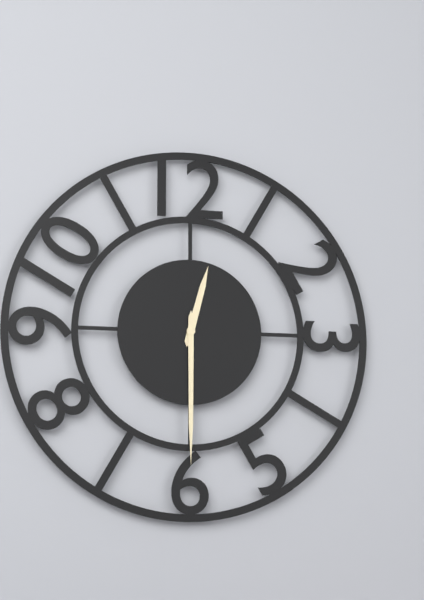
12:30
